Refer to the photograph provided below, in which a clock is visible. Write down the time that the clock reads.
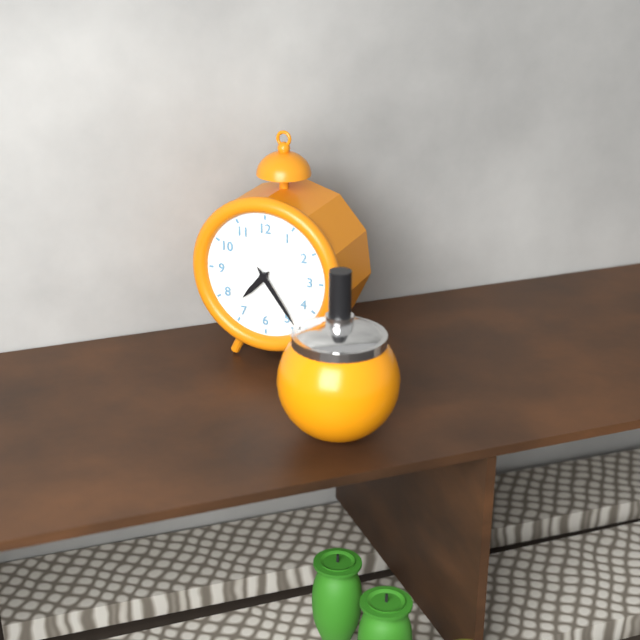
7:24
